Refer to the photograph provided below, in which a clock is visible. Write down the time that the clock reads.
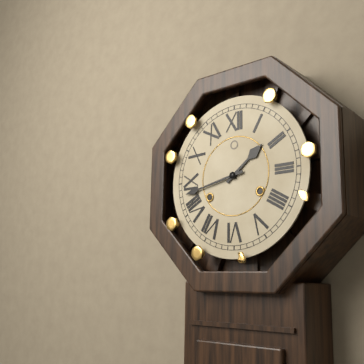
1:43
